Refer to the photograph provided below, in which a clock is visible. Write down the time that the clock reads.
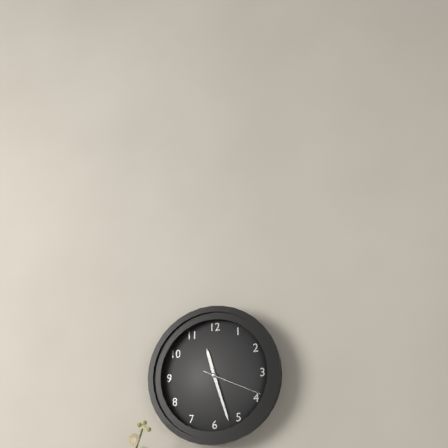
11:27:19
